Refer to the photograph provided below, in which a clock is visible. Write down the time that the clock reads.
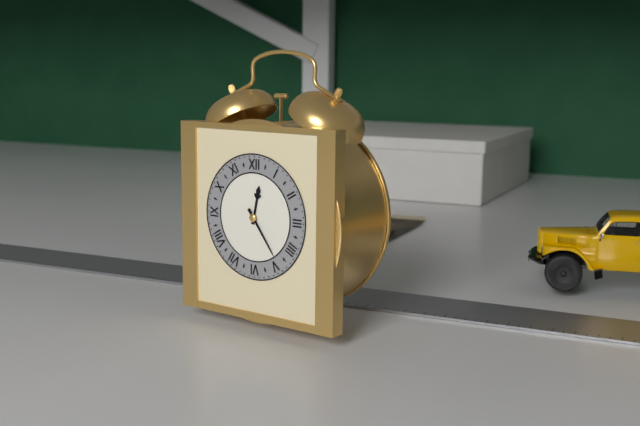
12:24
